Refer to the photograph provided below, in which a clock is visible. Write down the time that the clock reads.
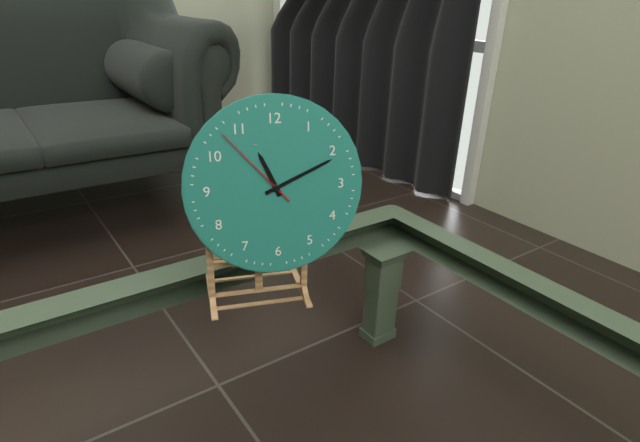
11:11:53
